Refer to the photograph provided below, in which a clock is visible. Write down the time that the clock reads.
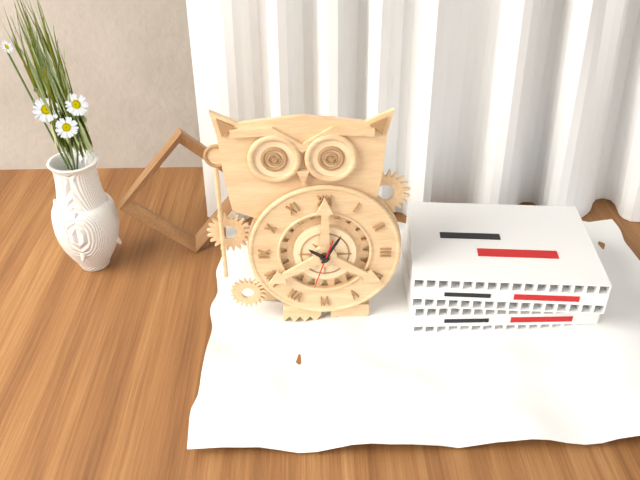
10:05
